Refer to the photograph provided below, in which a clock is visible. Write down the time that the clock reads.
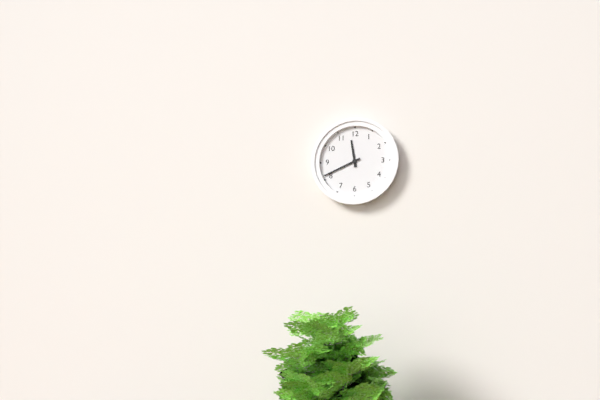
11:41
